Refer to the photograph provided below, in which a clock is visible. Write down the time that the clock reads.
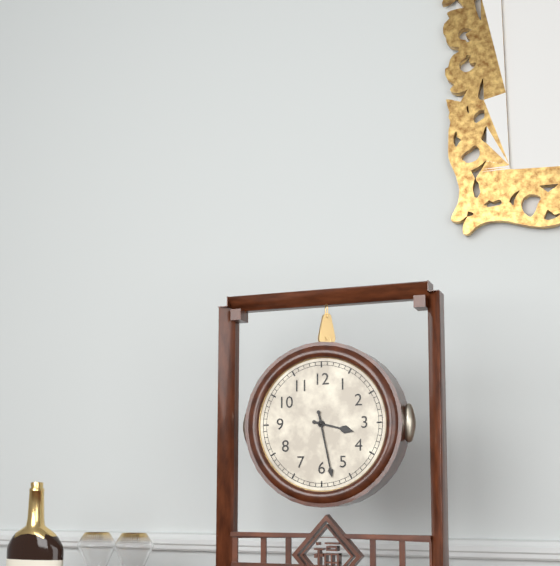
3:28
